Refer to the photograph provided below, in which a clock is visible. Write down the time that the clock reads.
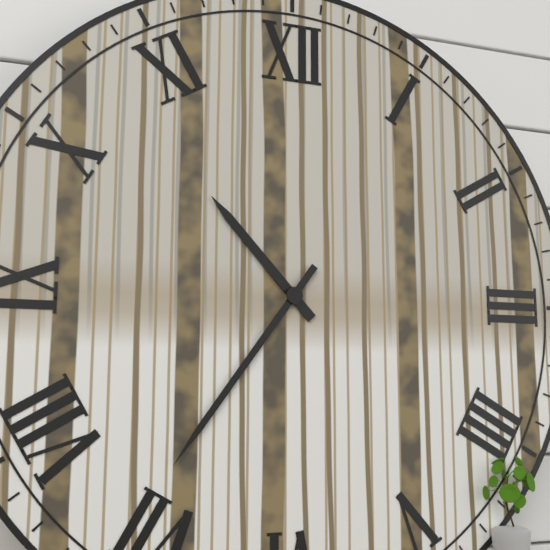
10:36
